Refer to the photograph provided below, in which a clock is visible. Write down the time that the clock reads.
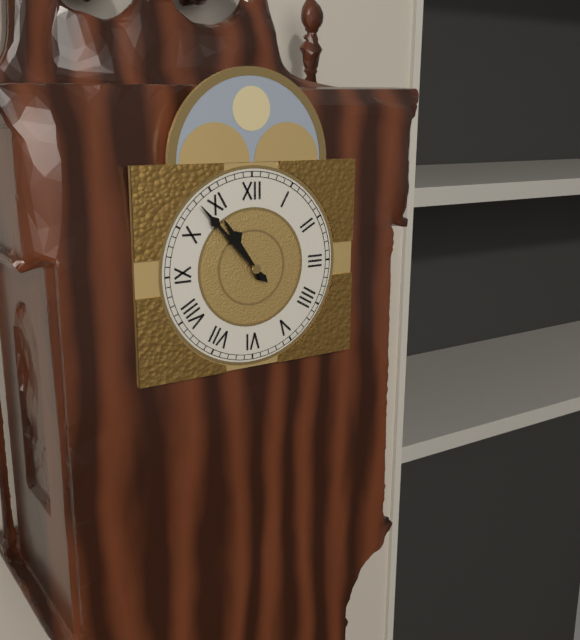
10:53
